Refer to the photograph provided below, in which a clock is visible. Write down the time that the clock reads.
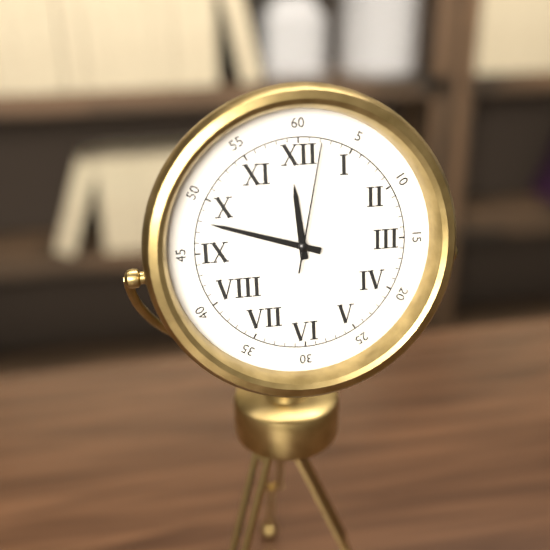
11:48:02
